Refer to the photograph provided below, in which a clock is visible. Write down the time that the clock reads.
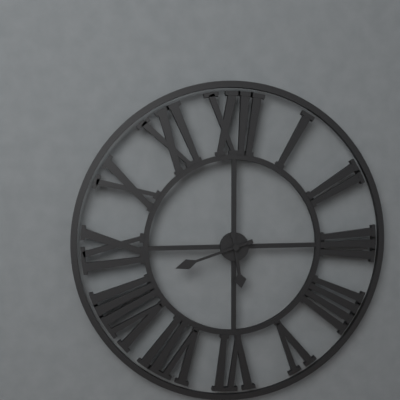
5:42
